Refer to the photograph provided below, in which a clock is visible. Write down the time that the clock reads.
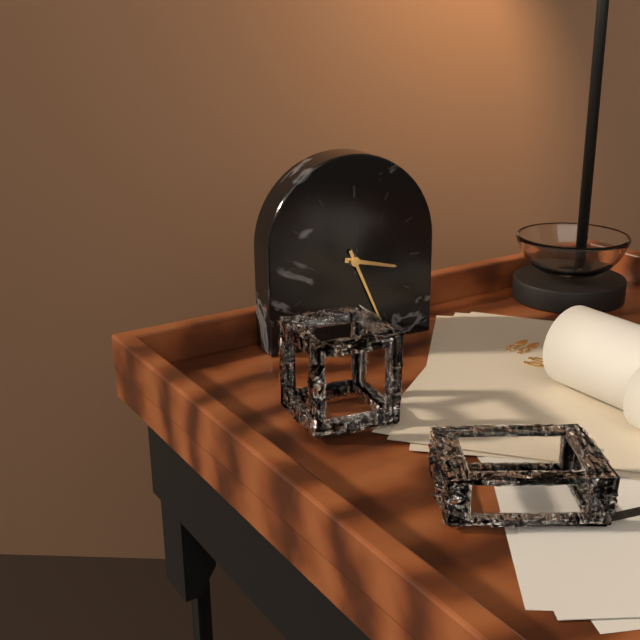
3:26
